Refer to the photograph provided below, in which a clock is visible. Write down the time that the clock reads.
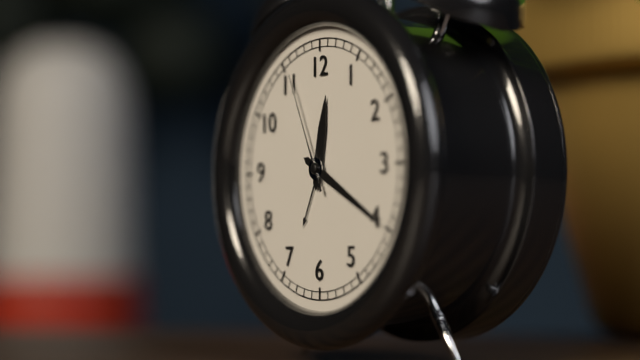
12:20:56
